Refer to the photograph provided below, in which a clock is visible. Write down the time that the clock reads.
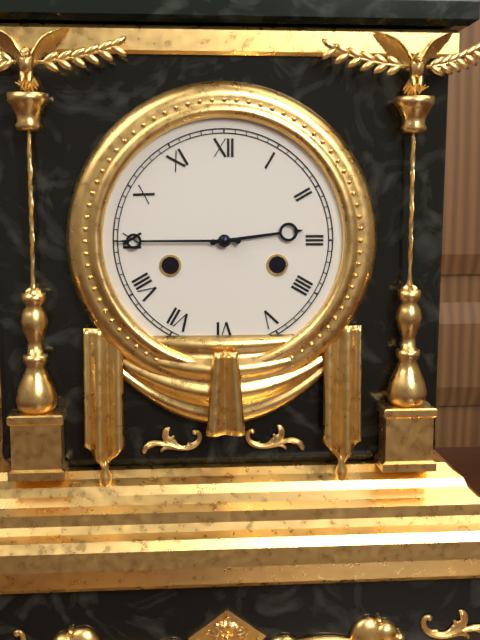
2:45
